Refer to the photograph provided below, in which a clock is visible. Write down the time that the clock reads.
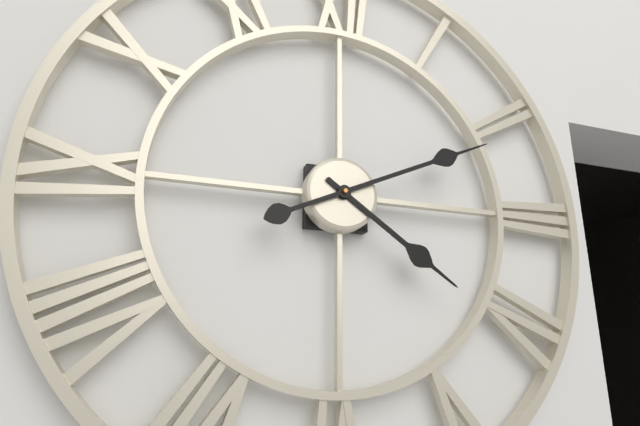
4:11
